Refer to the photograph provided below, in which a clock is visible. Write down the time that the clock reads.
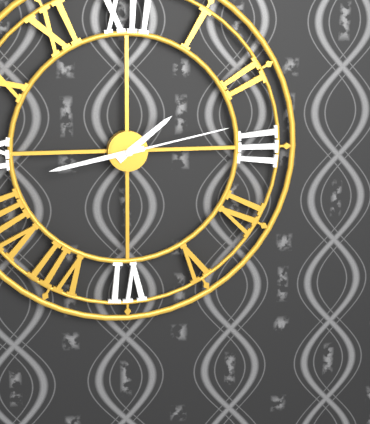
1:43:13
